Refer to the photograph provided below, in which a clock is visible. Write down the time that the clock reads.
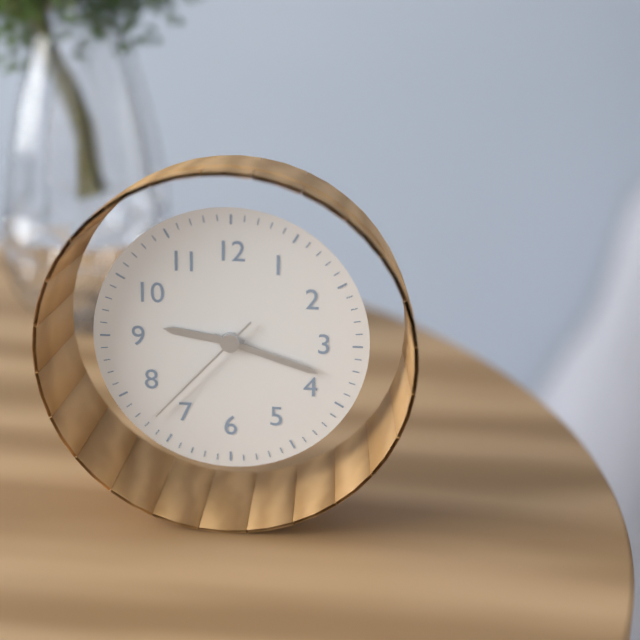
9:18:37
